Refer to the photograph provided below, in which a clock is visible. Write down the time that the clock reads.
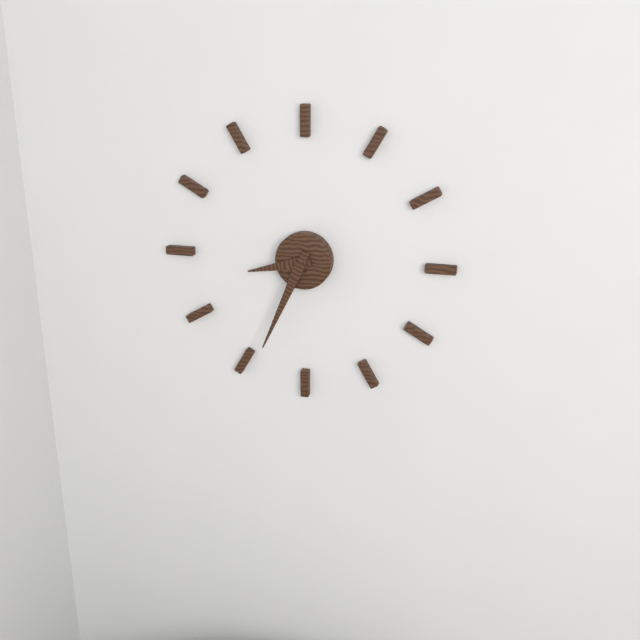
8:34
